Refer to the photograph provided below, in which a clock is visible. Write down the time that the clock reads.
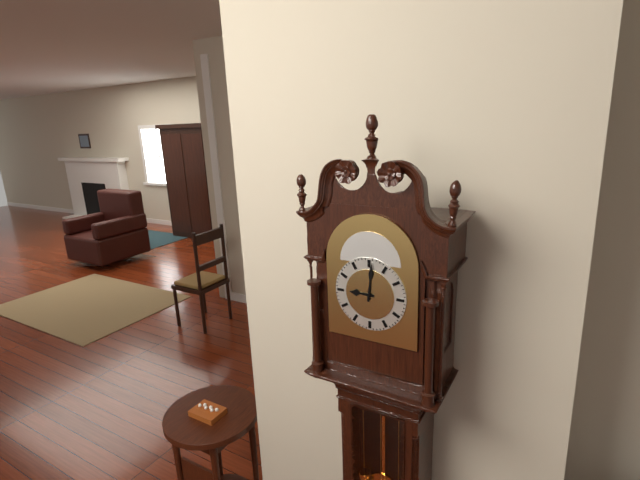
9:01
